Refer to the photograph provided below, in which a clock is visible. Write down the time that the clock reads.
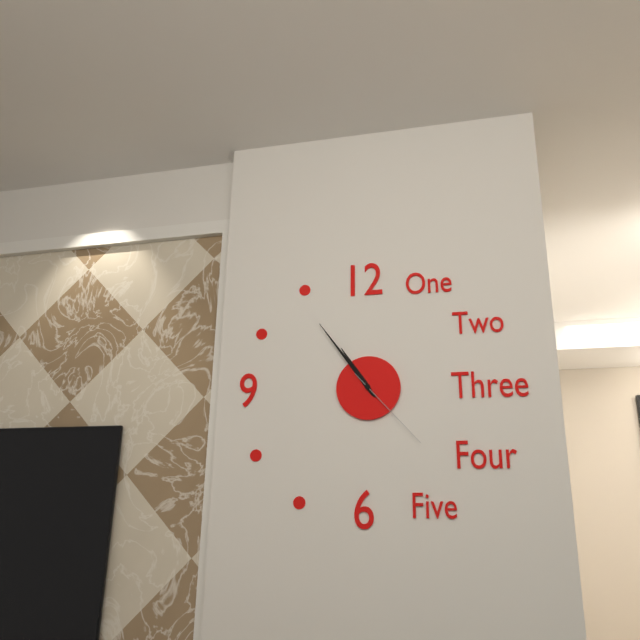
10:54:23
